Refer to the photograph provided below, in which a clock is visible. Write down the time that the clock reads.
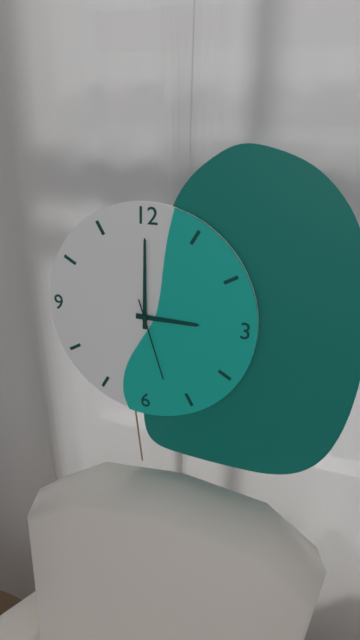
3:00:27
